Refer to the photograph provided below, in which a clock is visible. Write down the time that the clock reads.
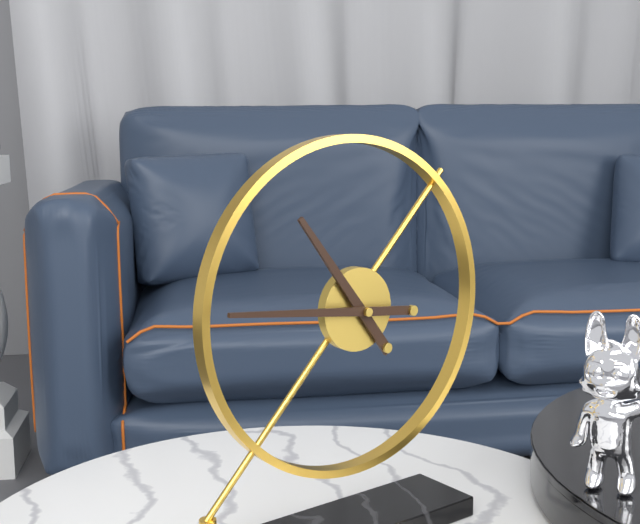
10:46
